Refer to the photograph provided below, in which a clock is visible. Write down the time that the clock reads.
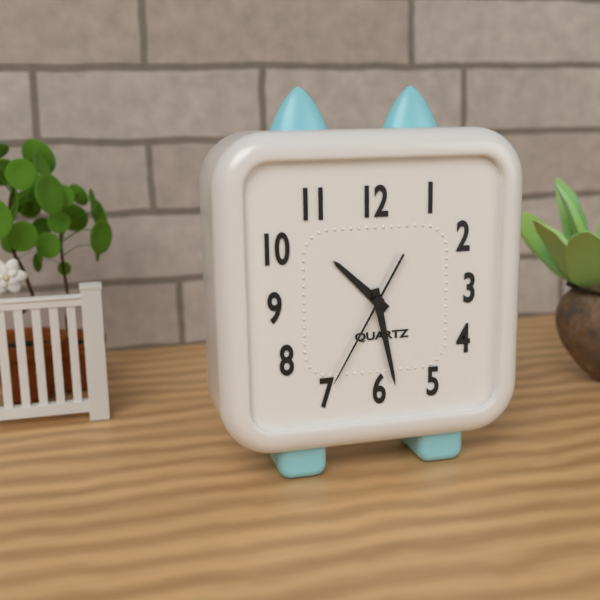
10:28:35
